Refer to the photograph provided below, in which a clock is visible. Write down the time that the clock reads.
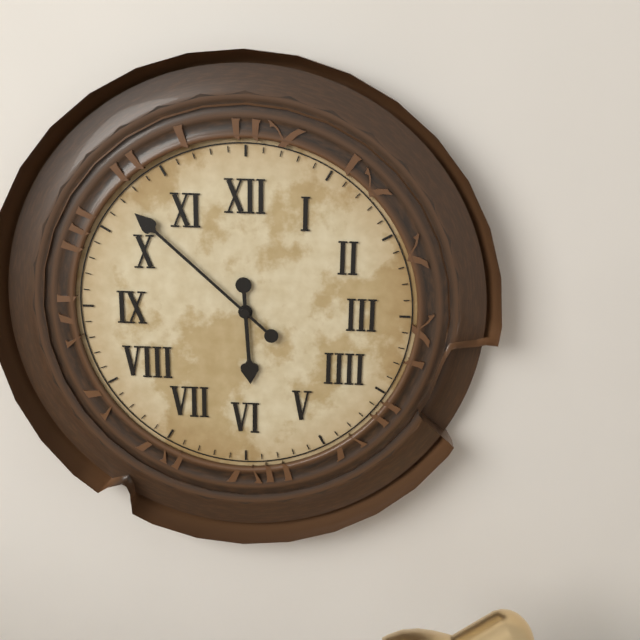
5:52
